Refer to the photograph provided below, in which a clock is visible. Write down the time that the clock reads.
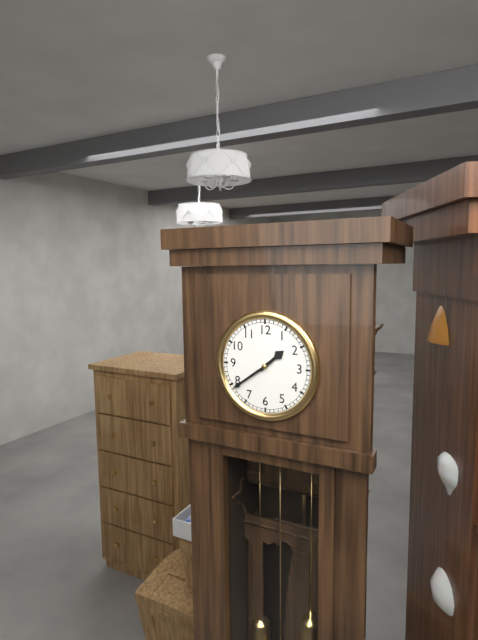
1:39
